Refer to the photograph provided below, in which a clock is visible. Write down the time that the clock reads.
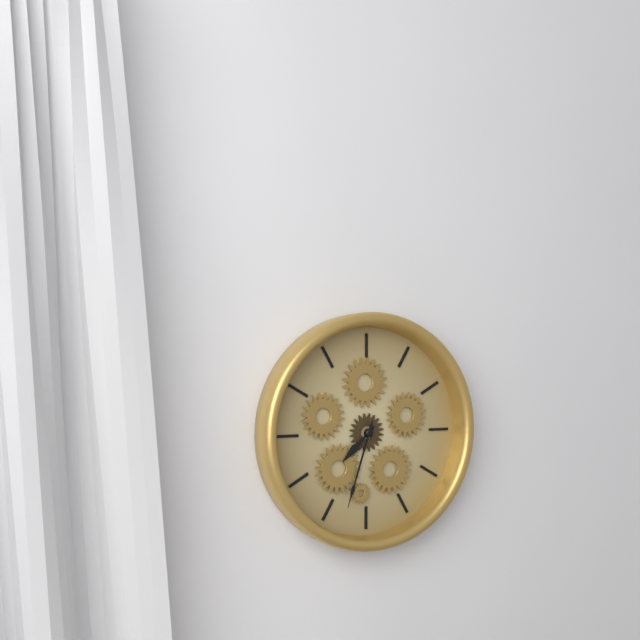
7:33
